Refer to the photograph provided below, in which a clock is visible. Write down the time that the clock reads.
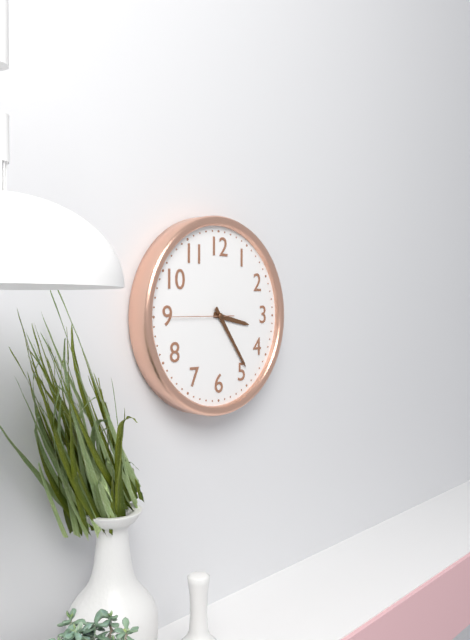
3:24
